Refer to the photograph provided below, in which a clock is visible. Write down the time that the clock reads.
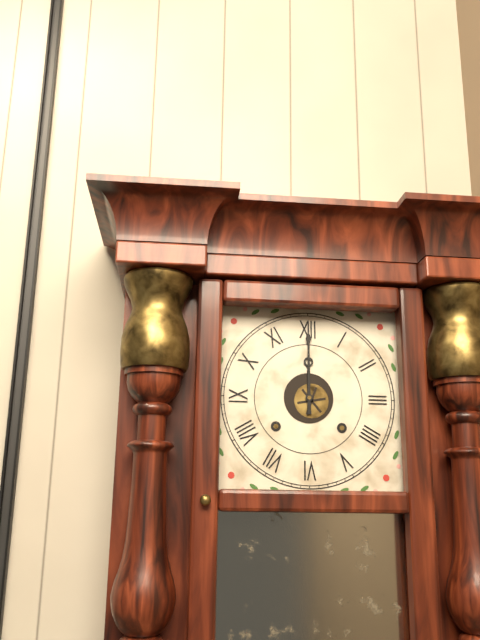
12:00
